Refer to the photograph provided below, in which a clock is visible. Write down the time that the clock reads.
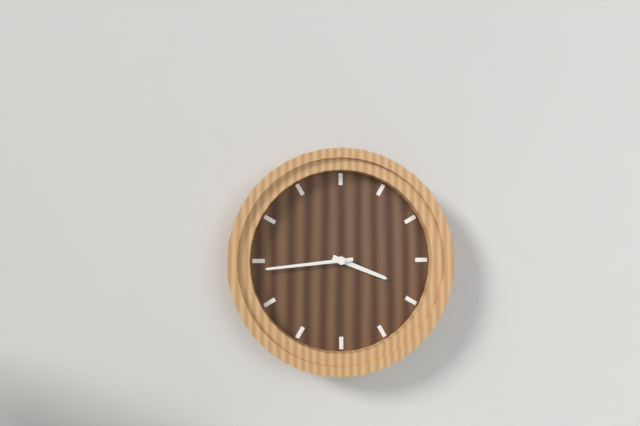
3:44
